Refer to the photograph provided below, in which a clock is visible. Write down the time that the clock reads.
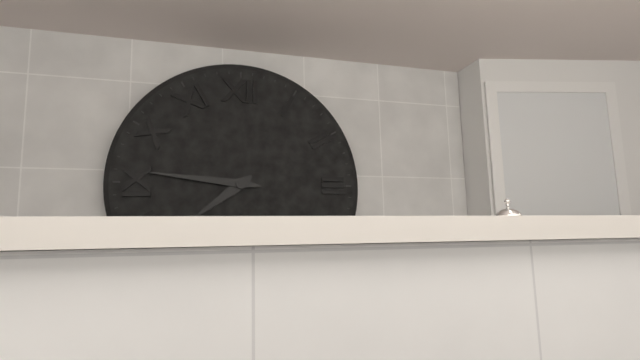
7:46
